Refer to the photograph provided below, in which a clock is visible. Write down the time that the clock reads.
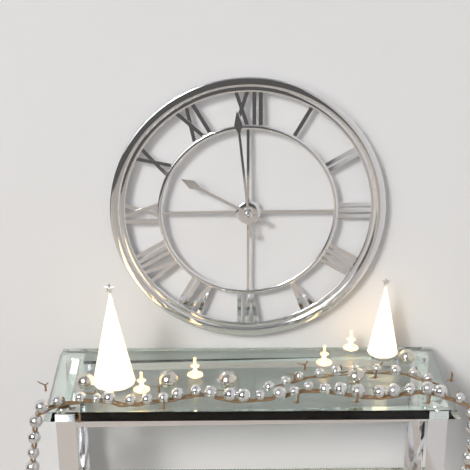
9:59
